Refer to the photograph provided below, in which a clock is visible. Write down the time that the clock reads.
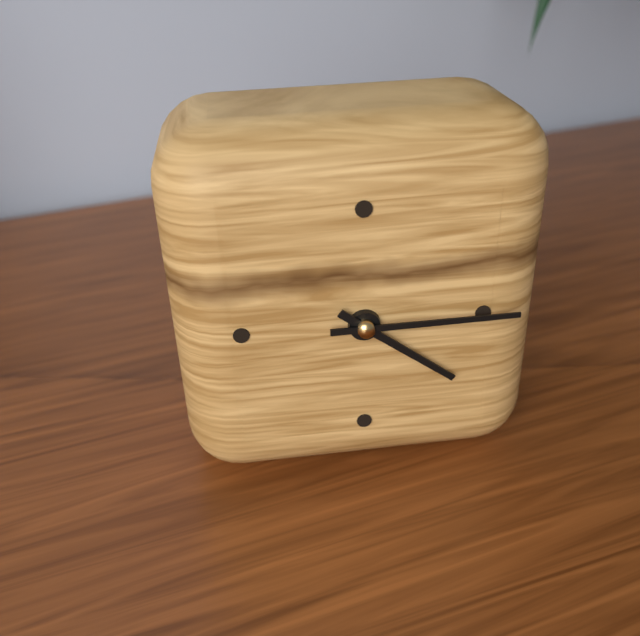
4:15
